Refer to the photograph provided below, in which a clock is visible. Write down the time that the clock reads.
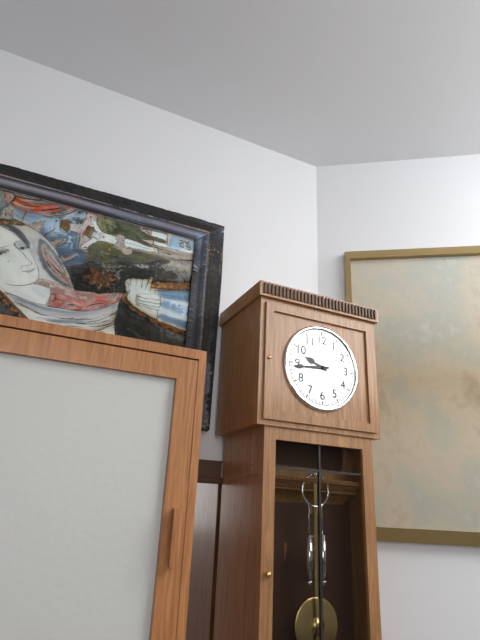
9:44
